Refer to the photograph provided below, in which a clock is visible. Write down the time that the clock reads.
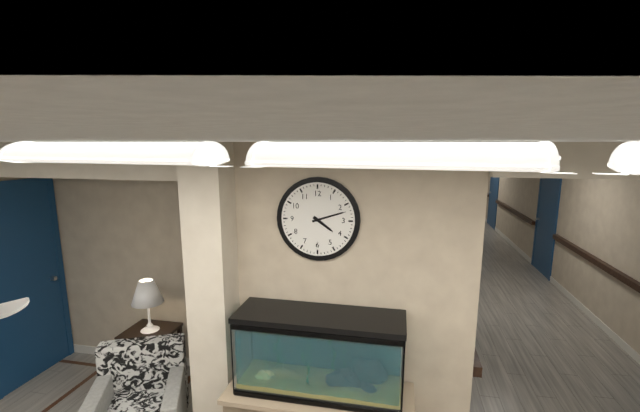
4:12
